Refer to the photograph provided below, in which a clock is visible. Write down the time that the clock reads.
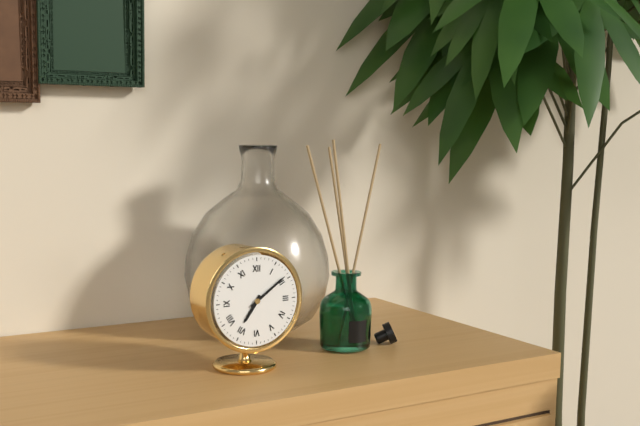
7:09
